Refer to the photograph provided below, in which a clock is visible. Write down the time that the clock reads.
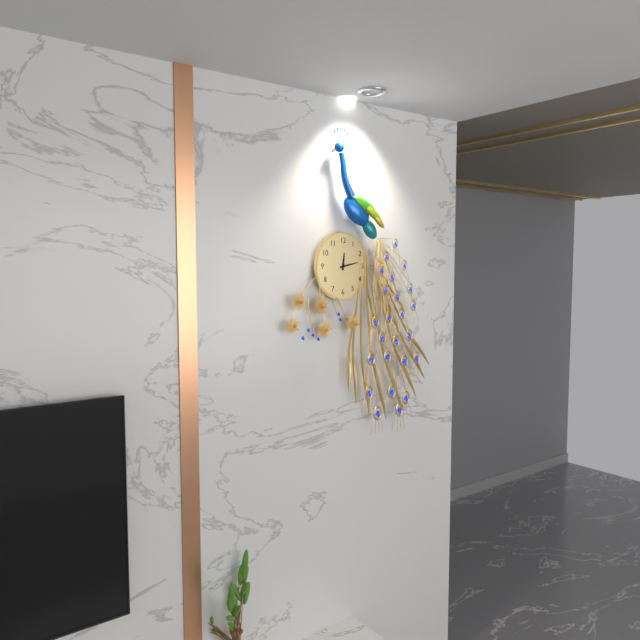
12:13
